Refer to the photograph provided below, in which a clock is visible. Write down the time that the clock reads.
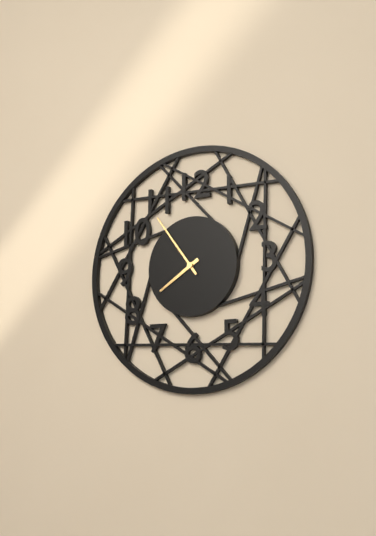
7:54
